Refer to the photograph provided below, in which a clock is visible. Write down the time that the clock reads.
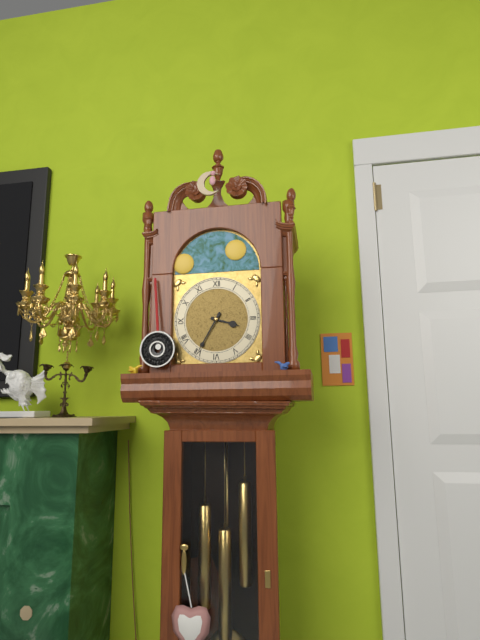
3:35
